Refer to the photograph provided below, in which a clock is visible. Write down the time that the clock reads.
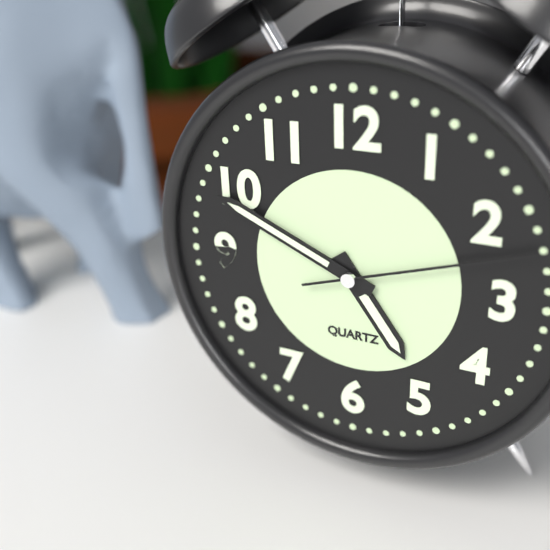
4:49:12
